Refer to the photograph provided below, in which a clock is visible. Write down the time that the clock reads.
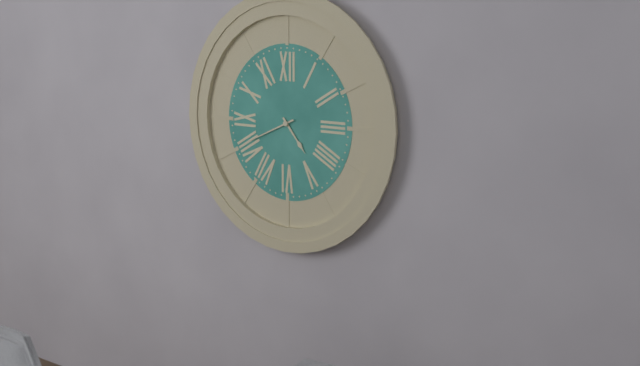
4:41
